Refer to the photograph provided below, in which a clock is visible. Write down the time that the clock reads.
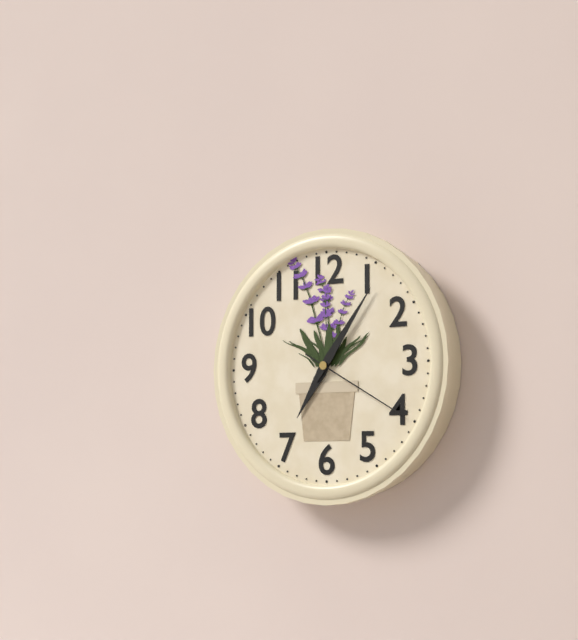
7:06:20
